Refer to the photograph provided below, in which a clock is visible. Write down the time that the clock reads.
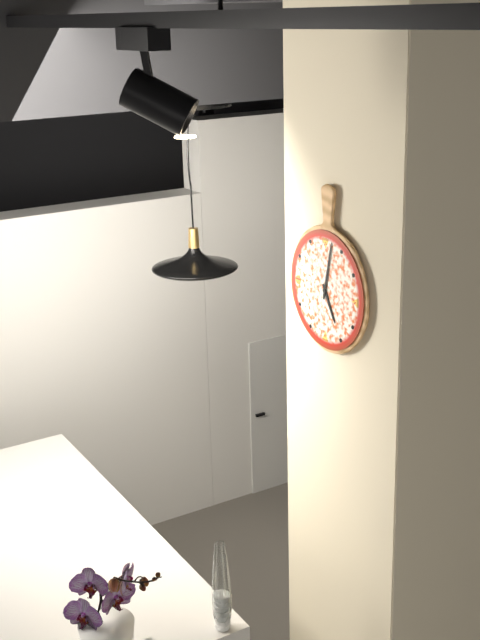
5:02
